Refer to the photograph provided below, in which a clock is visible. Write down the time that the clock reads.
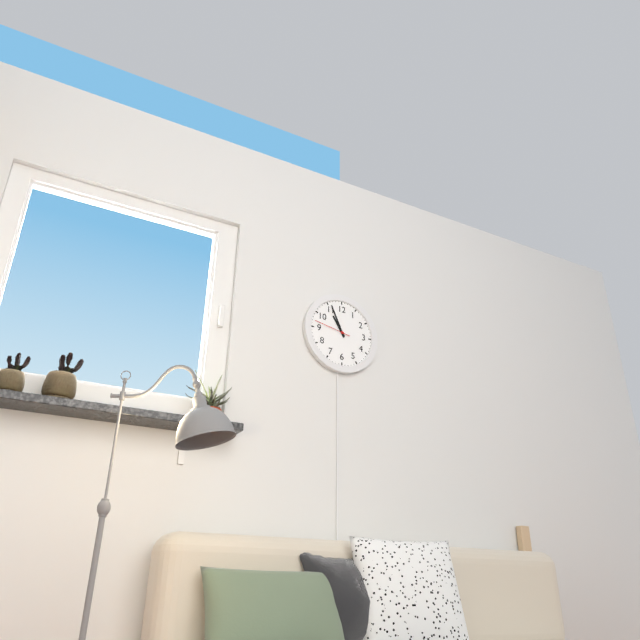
10:56
